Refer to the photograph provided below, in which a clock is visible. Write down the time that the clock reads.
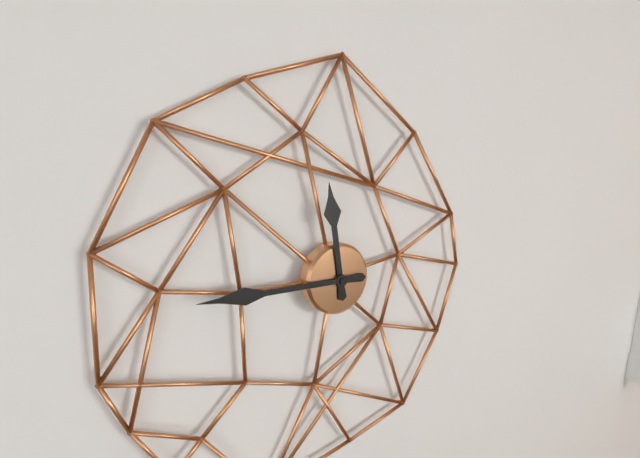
11:45
